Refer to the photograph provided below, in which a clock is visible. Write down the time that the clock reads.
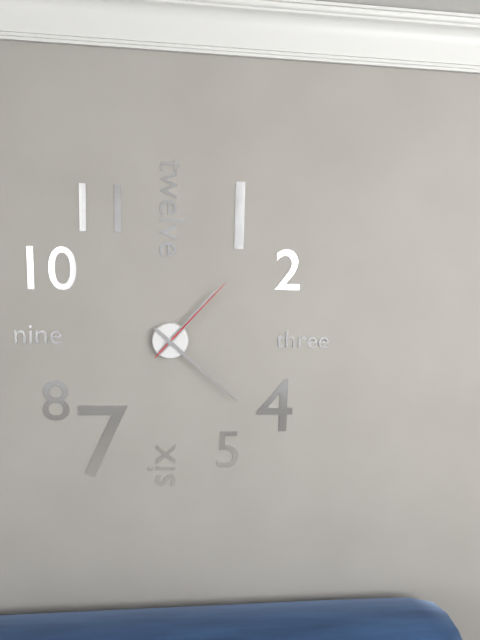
1:22:07
